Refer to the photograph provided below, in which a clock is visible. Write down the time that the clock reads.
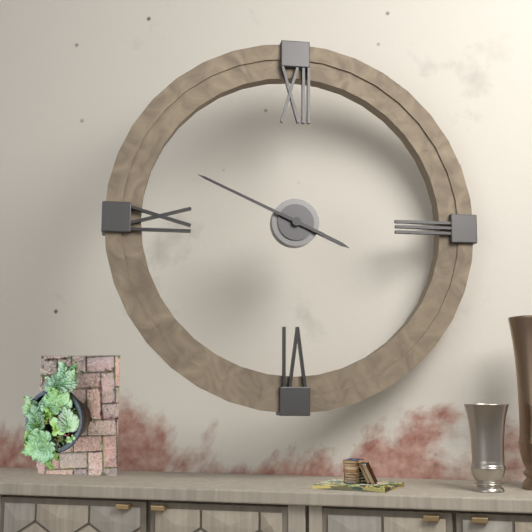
3:49
